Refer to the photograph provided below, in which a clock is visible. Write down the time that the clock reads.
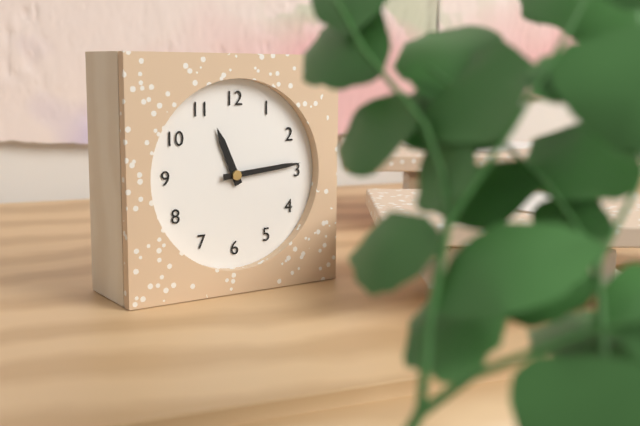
11:14
